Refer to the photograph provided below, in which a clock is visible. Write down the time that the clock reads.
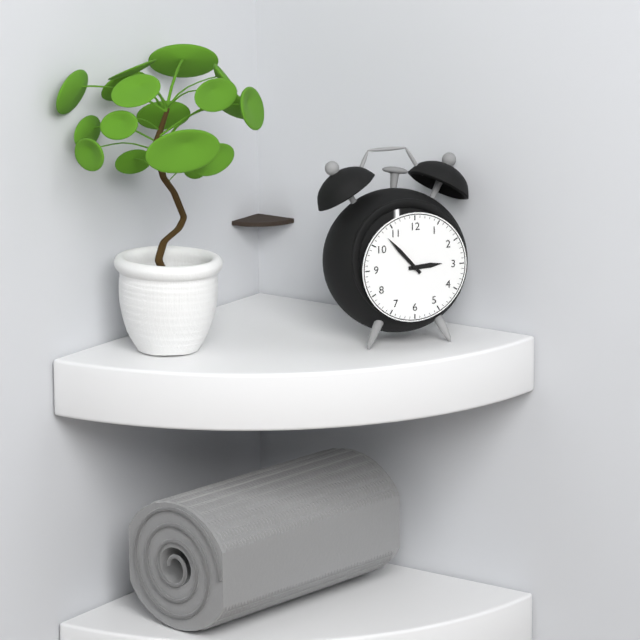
2:53
